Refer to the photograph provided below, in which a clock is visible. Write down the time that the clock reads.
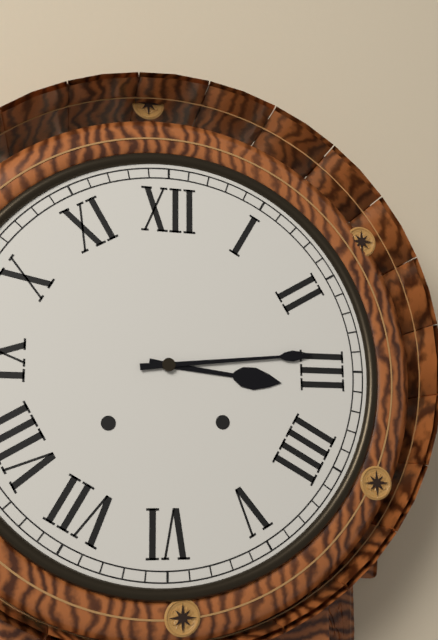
3:14
